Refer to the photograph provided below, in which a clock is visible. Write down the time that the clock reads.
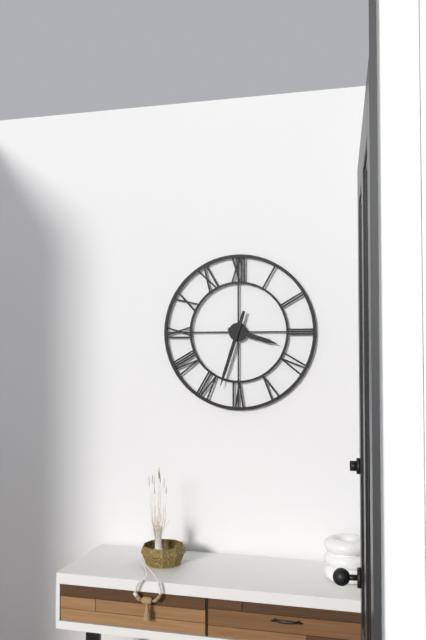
3:33
